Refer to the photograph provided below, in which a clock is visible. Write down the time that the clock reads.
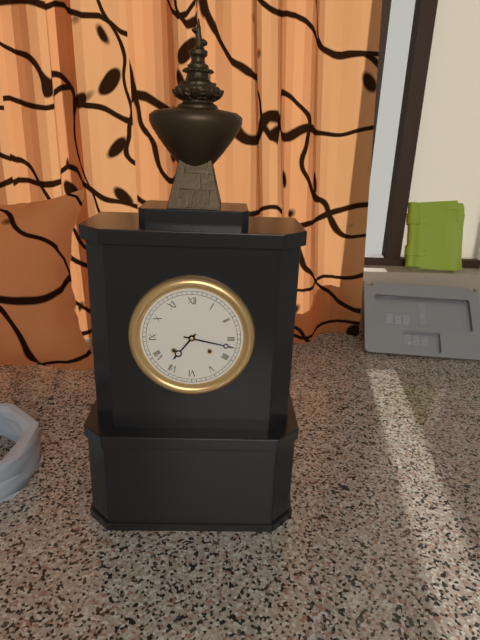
7:17
